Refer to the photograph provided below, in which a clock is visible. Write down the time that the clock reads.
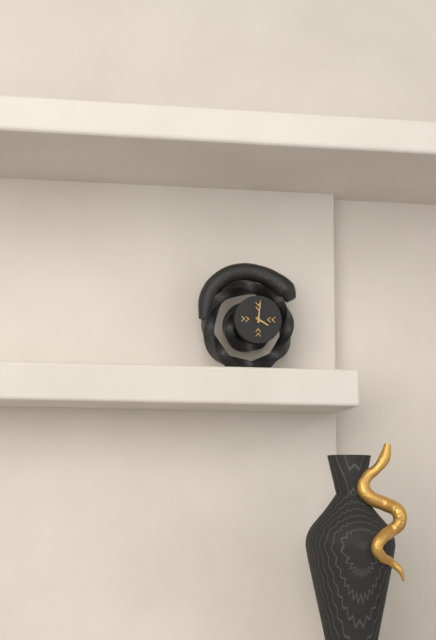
4:01
